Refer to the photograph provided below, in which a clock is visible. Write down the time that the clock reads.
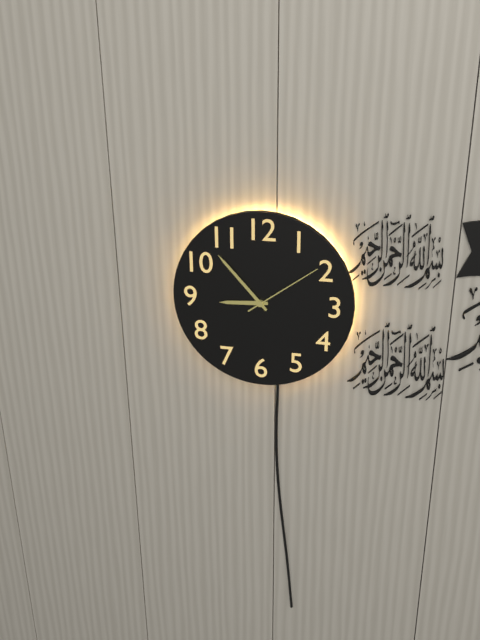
8:53:09
